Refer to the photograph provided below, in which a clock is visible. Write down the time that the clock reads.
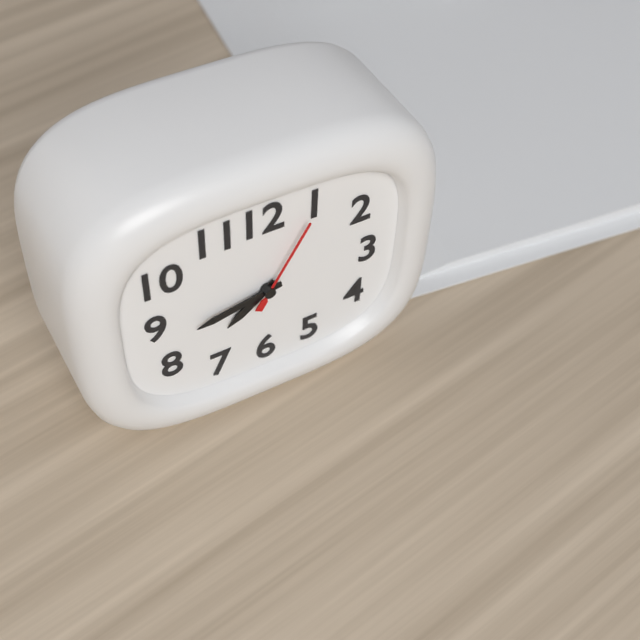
7:43:05
